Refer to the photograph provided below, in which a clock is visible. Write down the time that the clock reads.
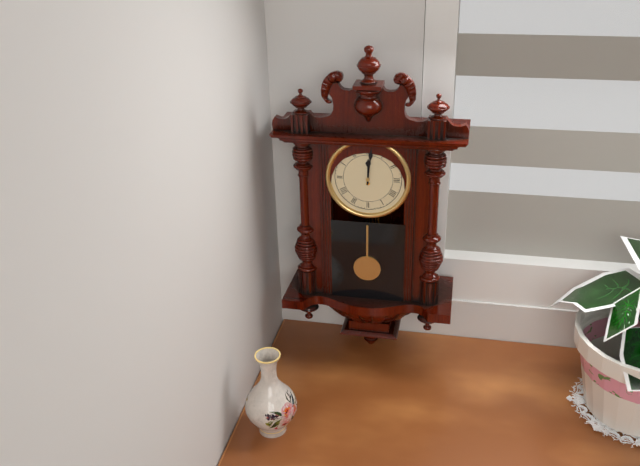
12:01
